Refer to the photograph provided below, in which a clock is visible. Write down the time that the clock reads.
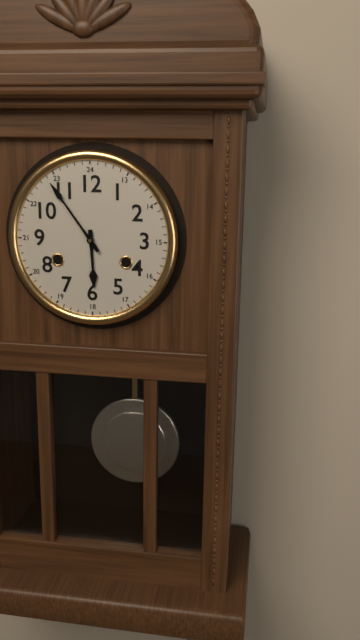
5:54
